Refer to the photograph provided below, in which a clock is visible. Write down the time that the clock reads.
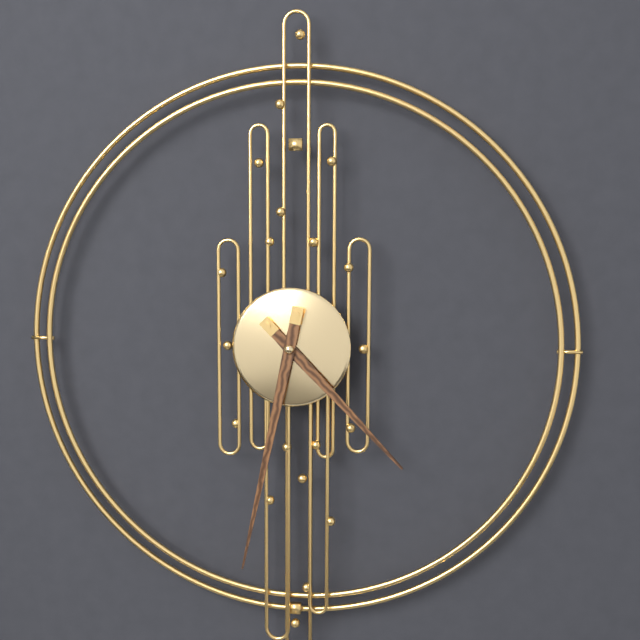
4:32
